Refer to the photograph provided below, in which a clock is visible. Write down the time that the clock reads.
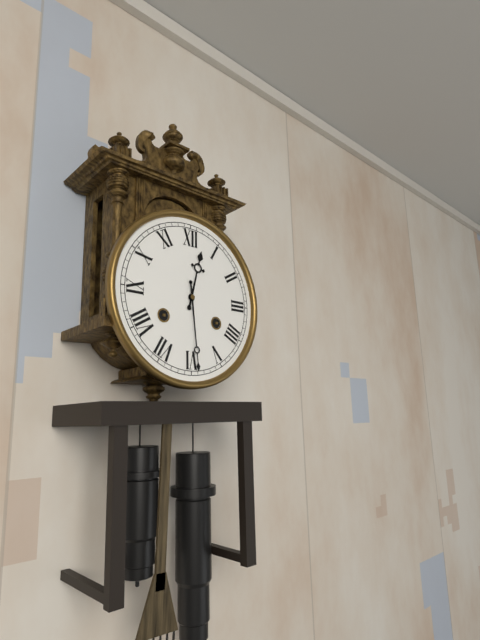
12:29
